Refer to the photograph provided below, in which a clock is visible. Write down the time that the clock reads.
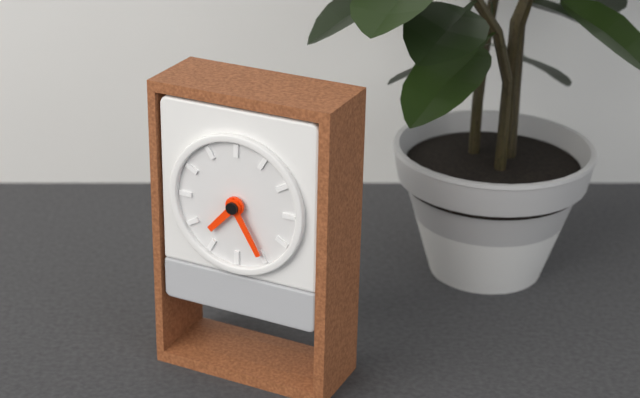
7:25
